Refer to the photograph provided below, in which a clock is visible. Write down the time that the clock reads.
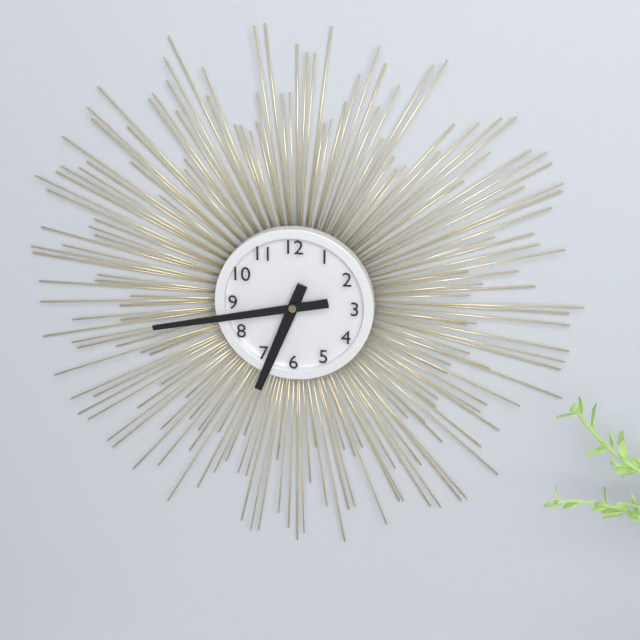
6:43
